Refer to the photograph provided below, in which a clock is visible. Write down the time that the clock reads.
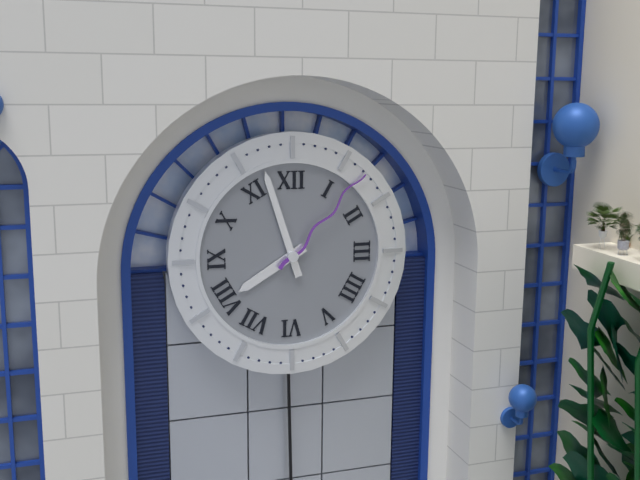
7:57:07
